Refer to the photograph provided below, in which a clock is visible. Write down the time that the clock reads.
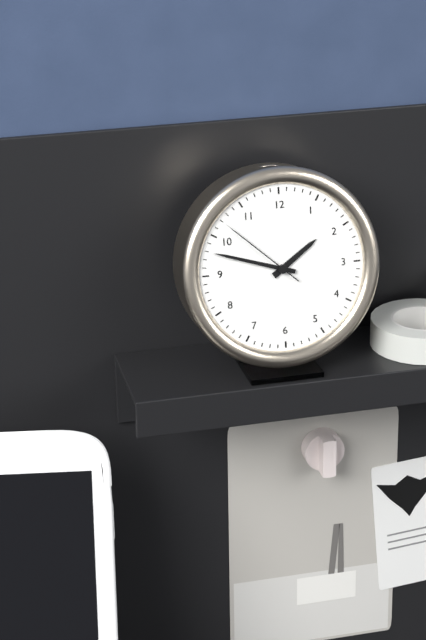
1:48:52
